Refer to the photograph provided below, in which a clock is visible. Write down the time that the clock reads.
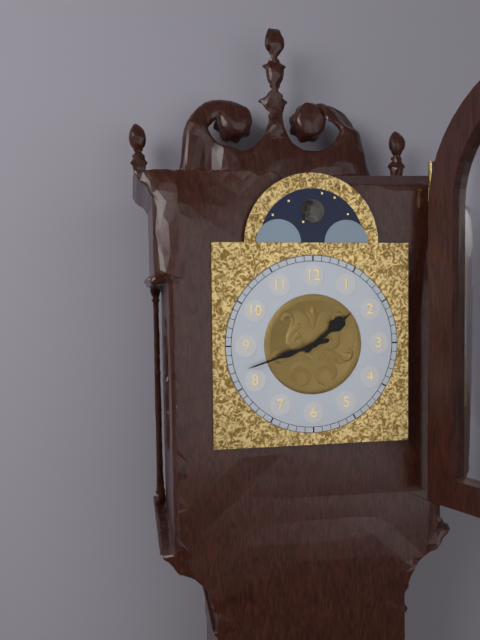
1:42
